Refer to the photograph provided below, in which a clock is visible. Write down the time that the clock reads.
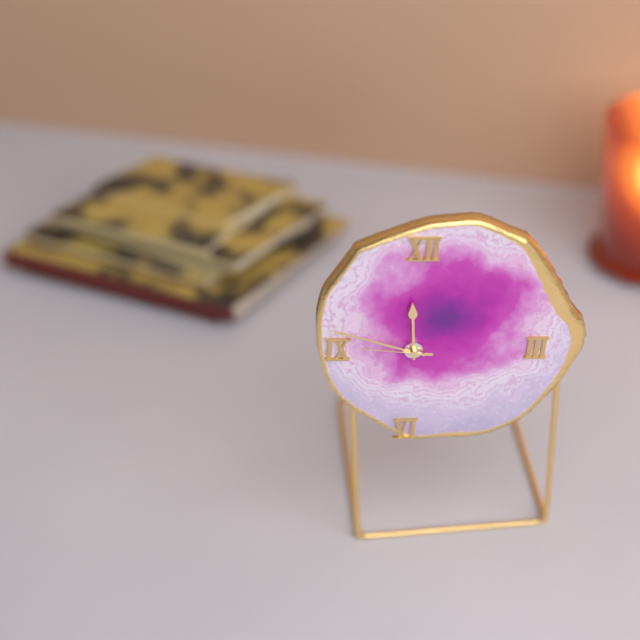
11:48:46
